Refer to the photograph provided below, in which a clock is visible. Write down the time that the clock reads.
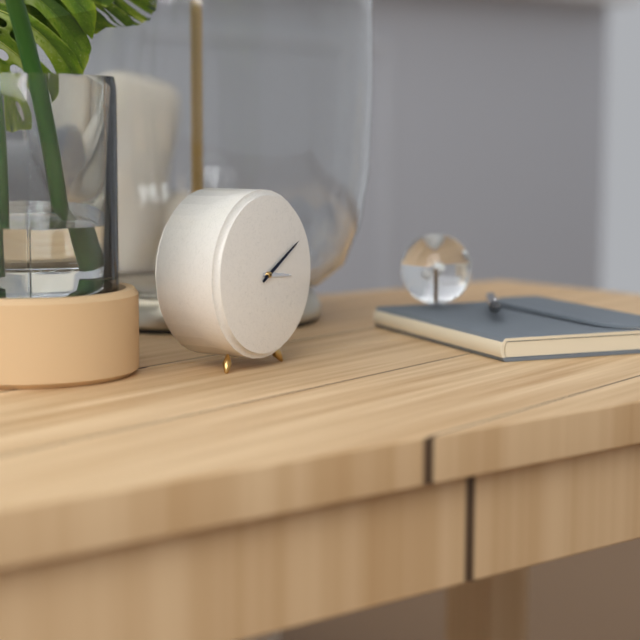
3:10
